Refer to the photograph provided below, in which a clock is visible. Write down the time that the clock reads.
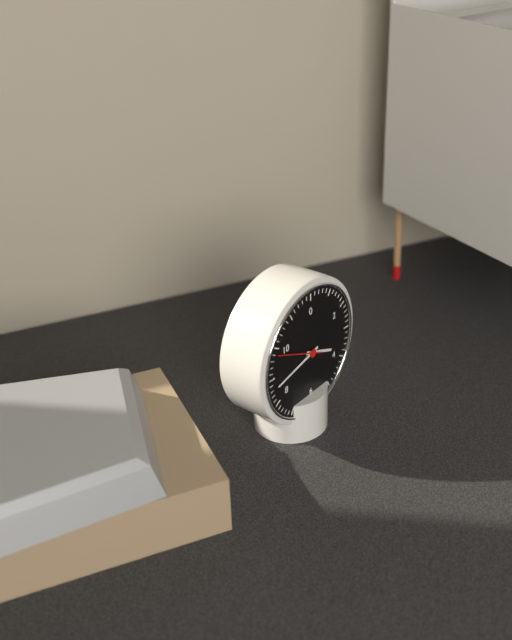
3:43
